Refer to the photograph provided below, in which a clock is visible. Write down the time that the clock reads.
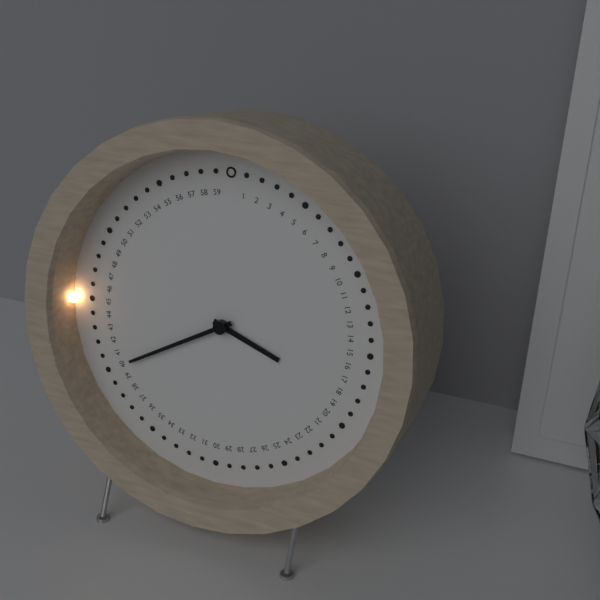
3:40
